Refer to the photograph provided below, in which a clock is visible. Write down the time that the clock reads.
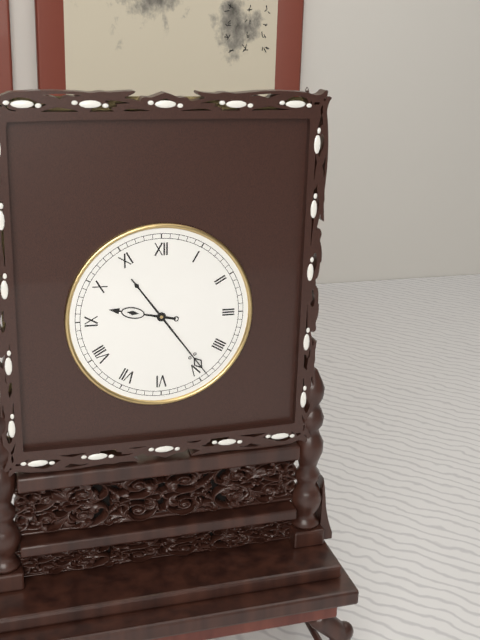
9:24
